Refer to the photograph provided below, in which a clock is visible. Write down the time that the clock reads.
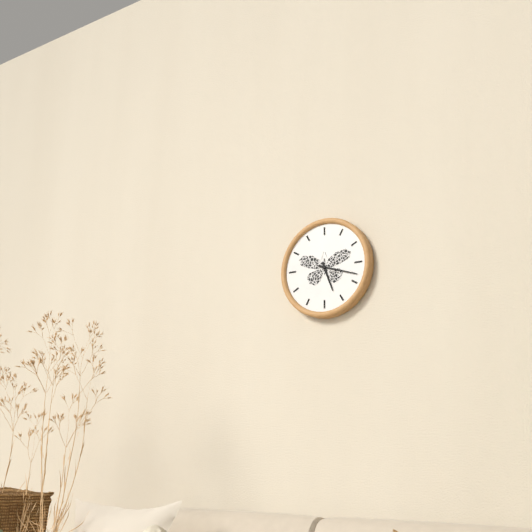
5:18
